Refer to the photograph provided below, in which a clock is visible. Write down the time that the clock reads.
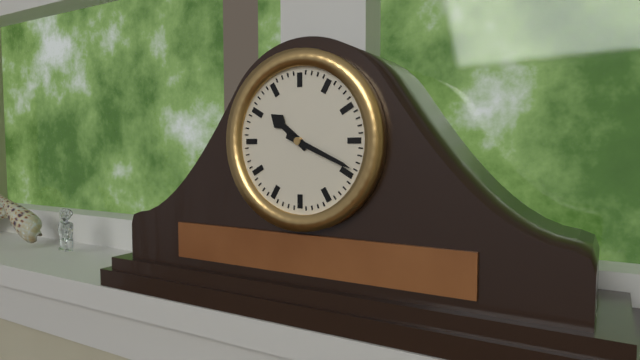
10:19
